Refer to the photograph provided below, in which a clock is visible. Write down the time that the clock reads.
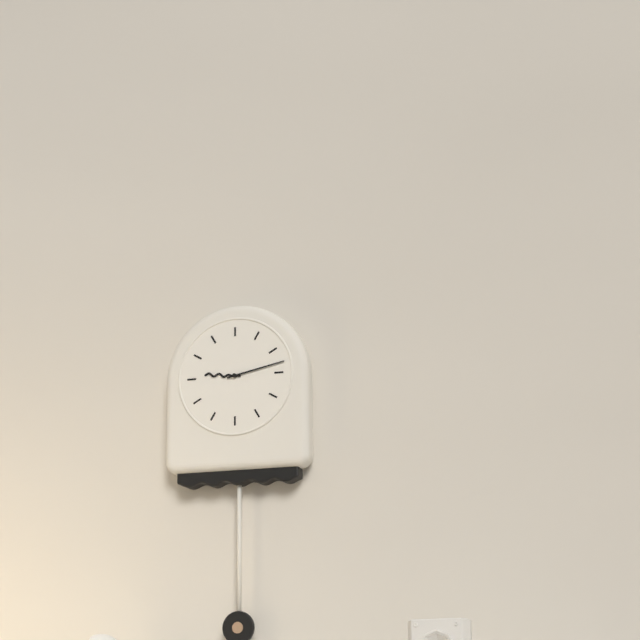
9:13
